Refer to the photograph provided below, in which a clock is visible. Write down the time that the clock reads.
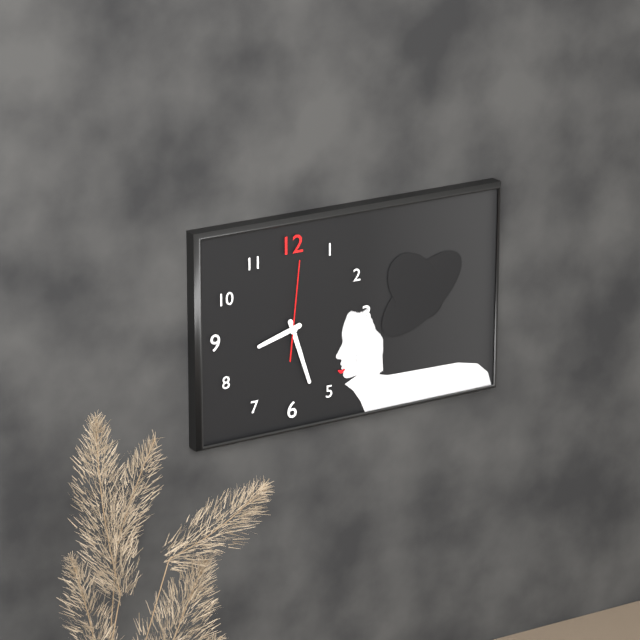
8:27:01
